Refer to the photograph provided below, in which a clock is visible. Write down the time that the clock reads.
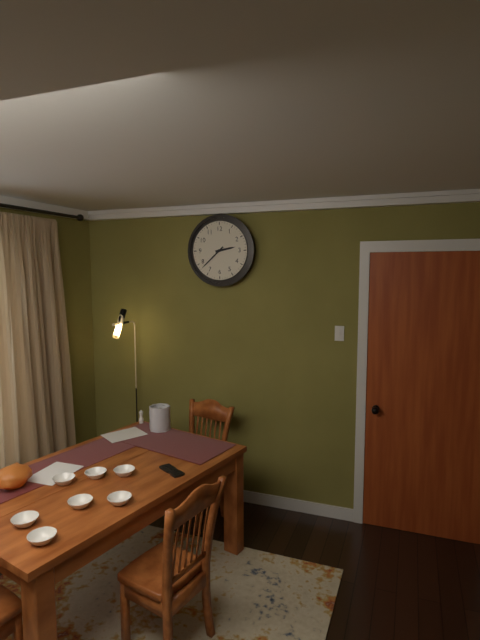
2:38
